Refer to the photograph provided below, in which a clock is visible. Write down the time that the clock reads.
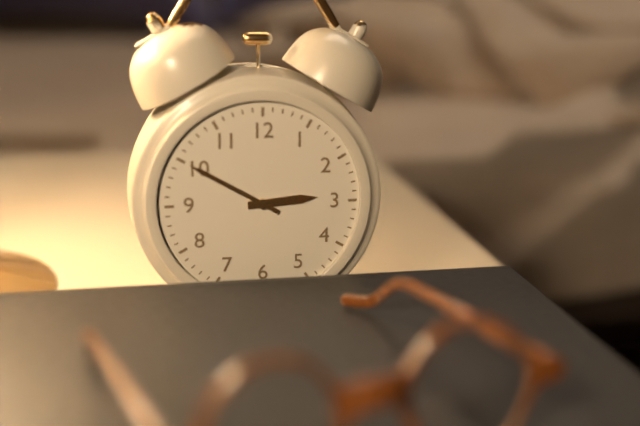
2:50
